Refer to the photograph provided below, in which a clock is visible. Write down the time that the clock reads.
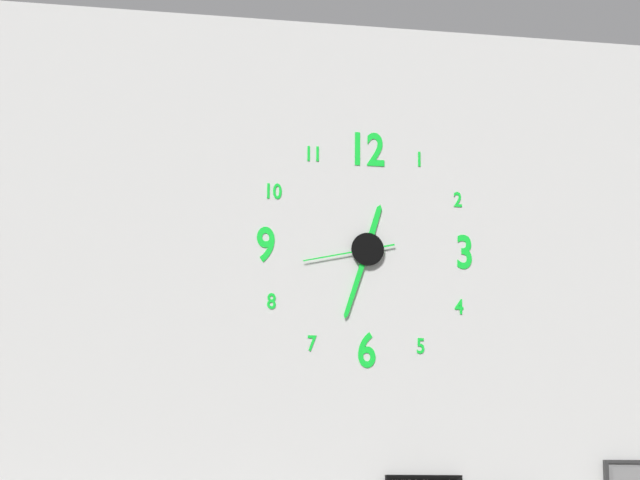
12:33:43
